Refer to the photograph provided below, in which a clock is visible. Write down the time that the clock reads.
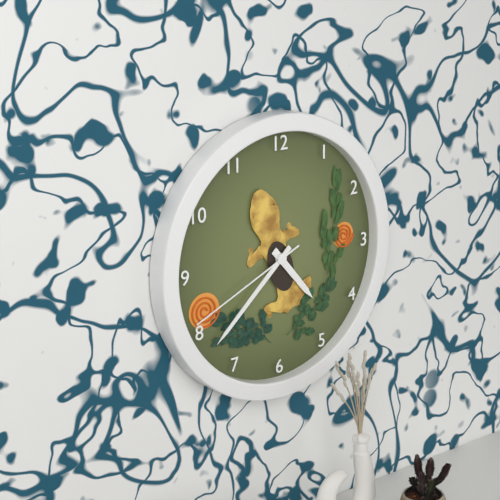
4:38:41
